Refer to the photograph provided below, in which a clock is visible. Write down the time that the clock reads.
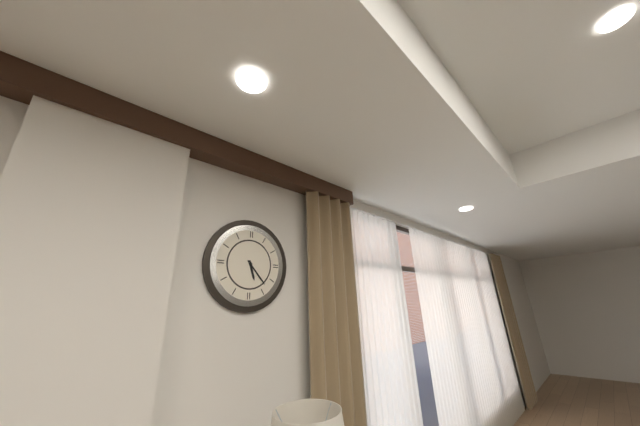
5:23
